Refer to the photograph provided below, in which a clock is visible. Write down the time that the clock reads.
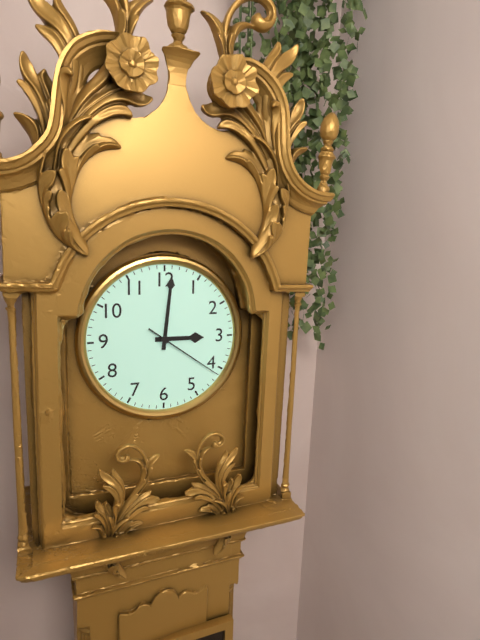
3:01:21
